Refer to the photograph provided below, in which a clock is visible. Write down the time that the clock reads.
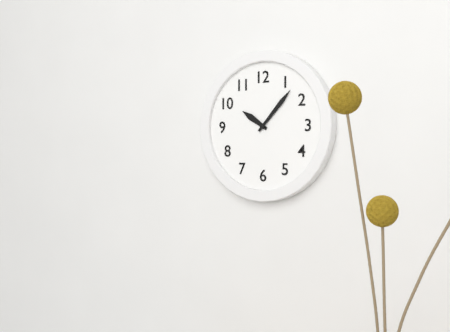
10:07
